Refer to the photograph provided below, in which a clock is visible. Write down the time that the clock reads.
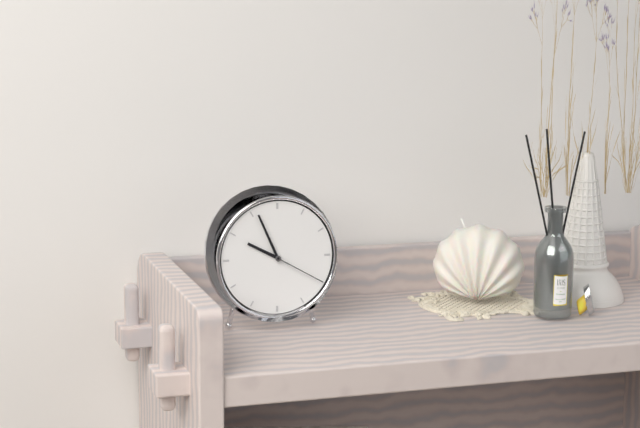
9:56:20
